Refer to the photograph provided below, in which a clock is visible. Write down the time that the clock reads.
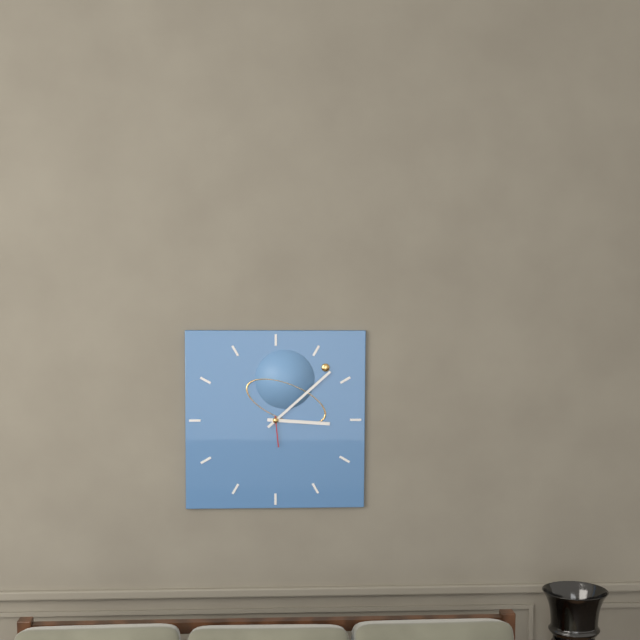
3:08
